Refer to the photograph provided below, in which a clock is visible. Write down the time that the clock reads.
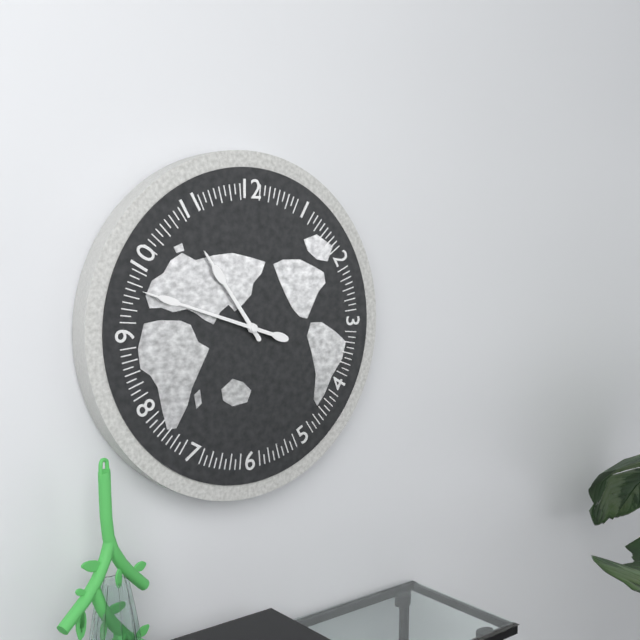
10:48
